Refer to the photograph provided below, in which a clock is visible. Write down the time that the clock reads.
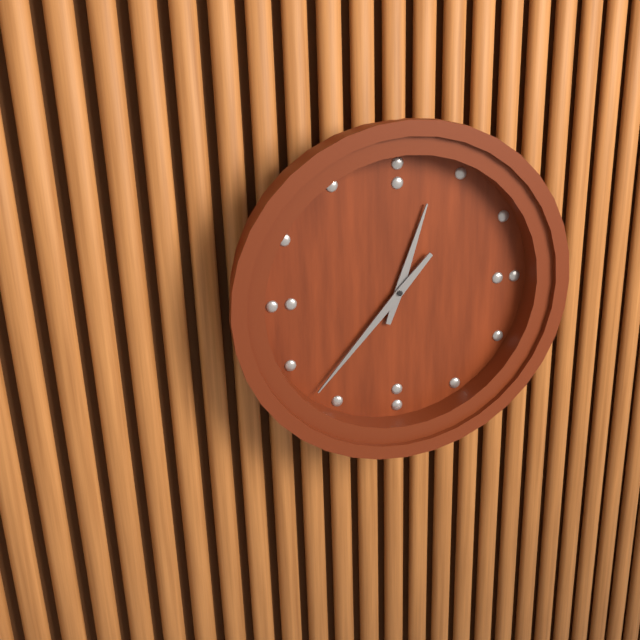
12:37
